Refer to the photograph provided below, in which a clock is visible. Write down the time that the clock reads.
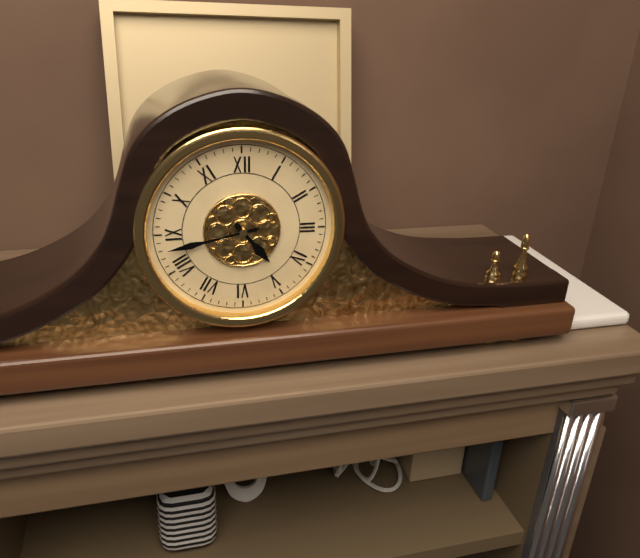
4:43
